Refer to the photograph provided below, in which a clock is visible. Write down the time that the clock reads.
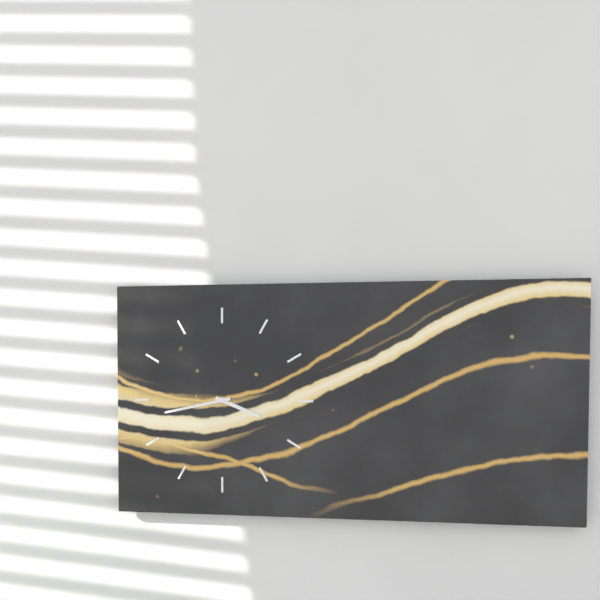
3:43
